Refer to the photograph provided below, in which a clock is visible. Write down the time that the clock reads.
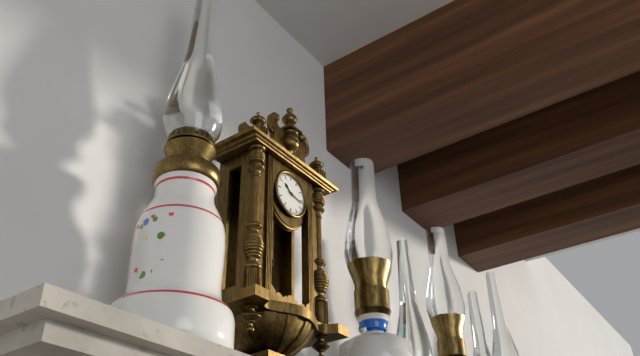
10:17
